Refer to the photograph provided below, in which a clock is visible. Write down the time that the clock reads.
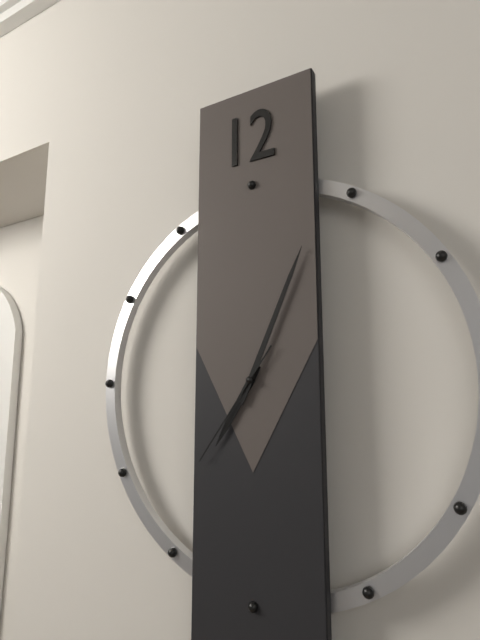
7:04:36
